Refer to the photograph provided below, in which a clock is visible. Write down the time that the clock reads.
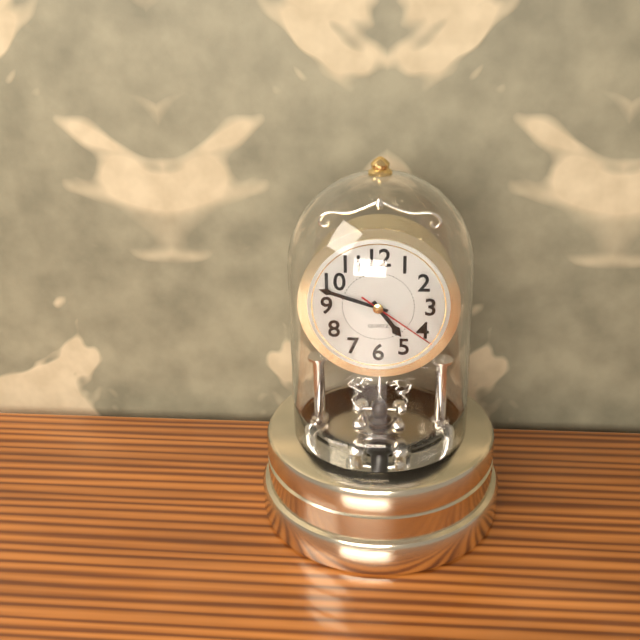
4:48:21
